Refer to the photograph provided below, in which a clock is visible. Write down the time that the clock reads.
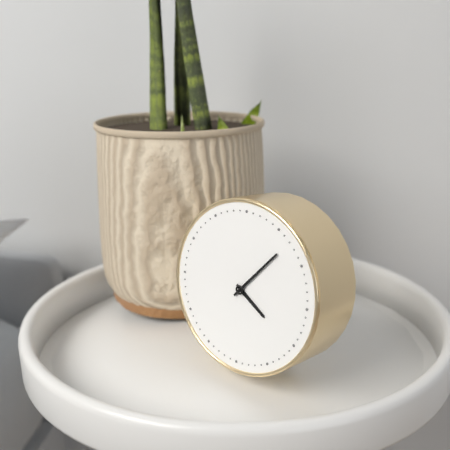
4:07
